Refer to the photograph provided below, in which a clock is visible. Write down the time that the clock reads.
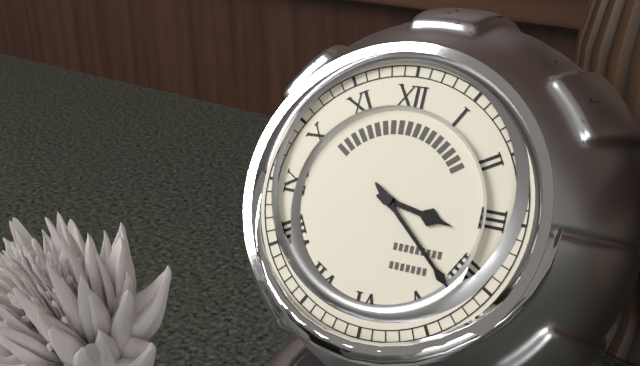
3:22
